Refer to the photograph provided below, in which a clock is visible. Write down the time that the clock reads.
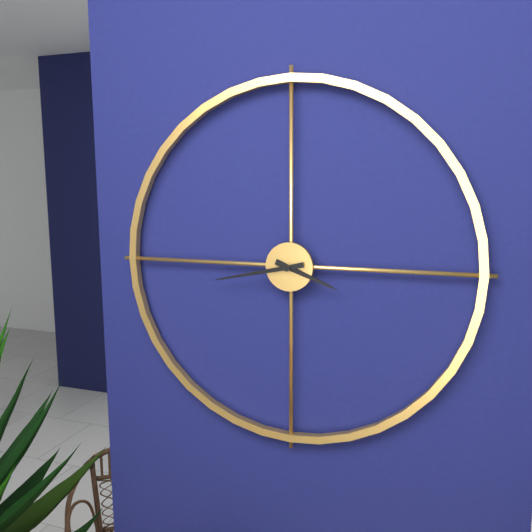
3:43
